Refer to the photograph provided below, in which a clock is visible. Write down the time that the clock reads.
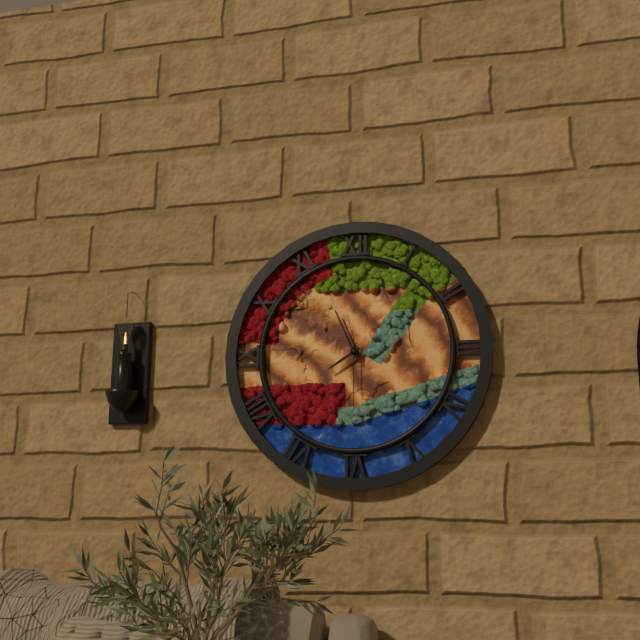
7:56:30
